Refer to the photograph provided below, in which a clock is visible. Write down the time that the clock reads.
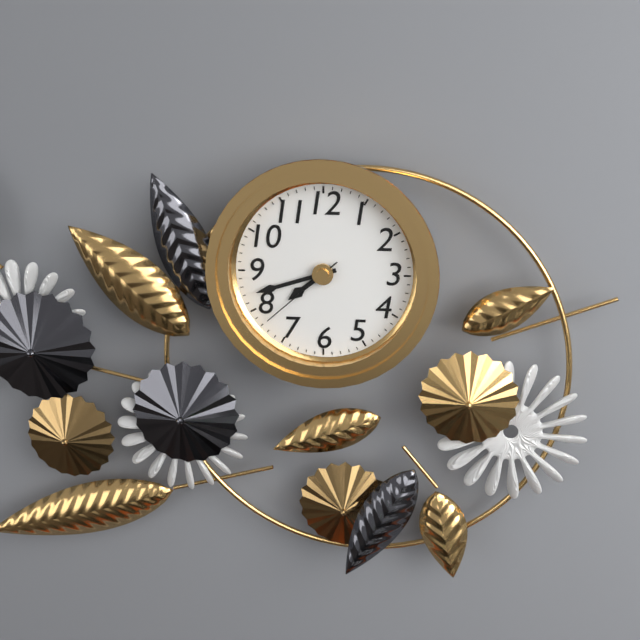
7:42:38
